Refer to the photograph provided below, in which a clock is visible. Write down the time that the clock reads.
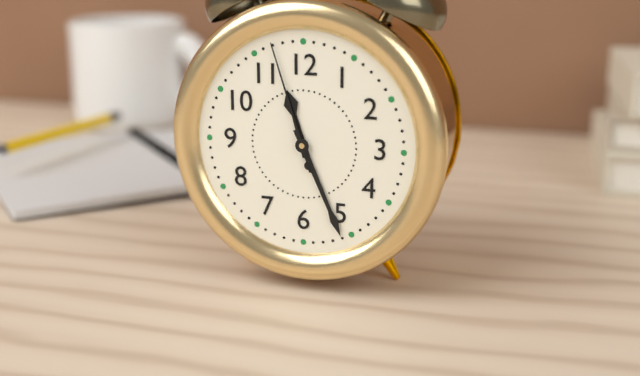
11:26:57
